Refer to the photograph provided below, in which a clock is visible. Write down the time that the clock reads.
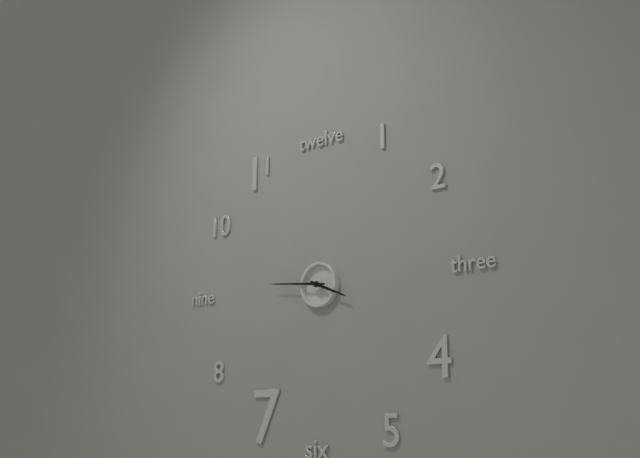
3:46
